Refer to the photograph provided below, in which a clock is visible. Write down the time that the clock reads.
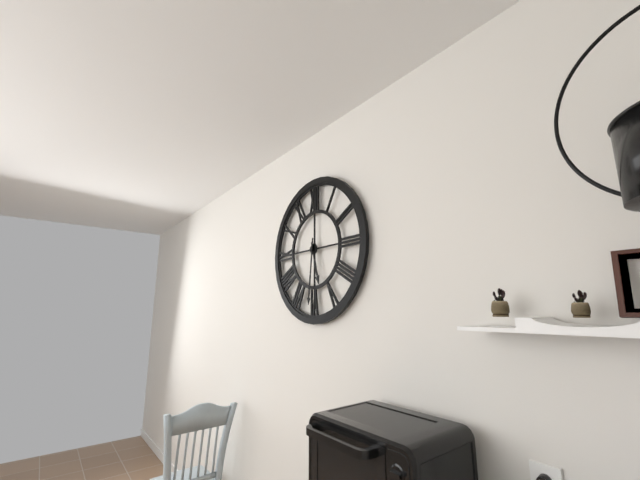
5:31
